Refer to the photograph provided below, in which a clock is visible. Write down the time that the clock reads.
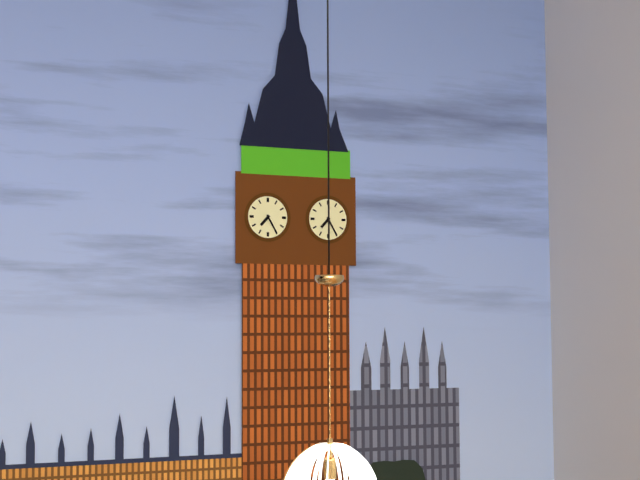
7:25
